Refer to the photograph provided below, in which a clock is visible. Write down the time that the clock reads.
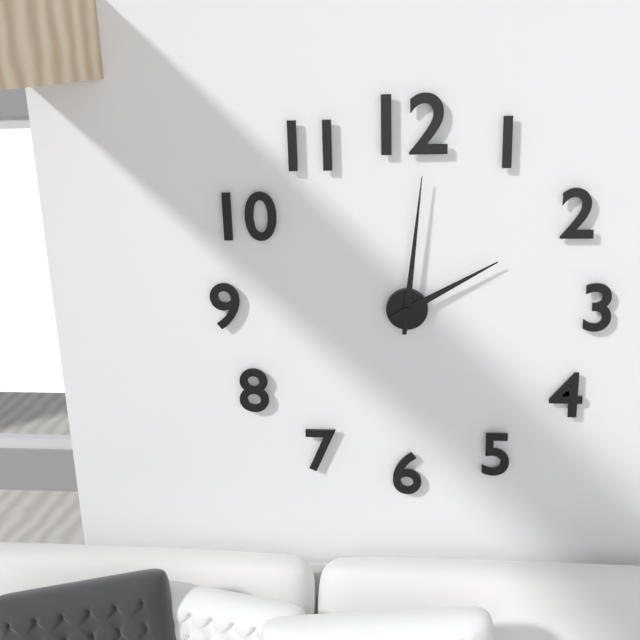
2:01
